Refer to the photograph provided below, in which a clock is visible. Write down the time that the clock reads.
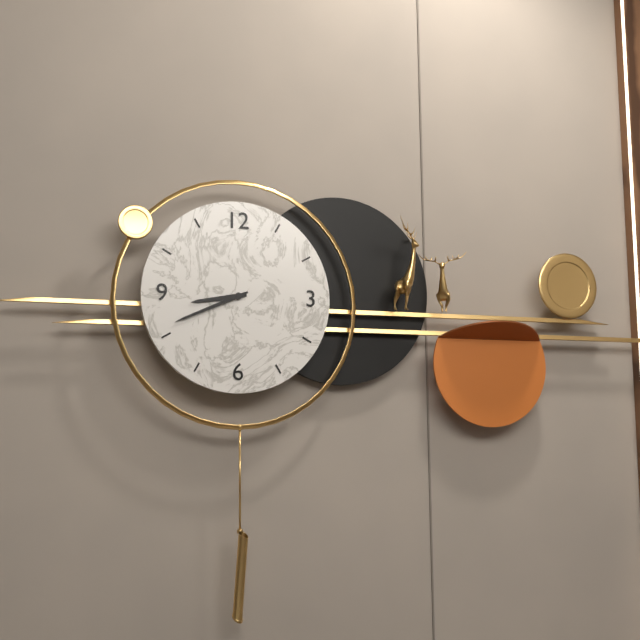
8:41
